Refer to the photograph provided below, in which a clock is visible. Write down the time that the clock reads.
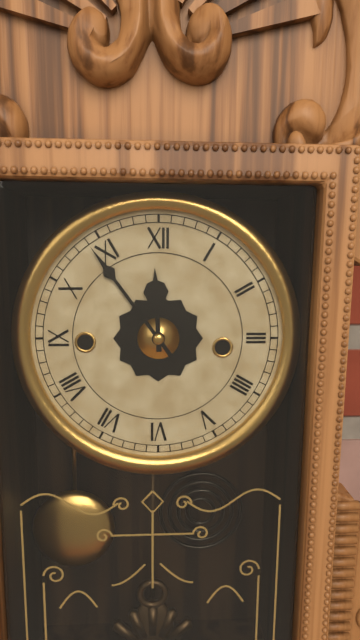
11:54
